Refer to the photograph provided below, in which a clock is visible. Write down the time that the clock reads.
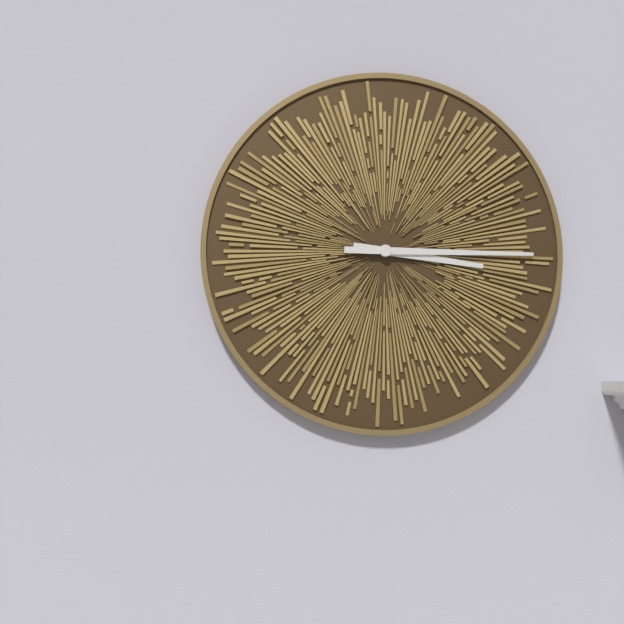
3:15
